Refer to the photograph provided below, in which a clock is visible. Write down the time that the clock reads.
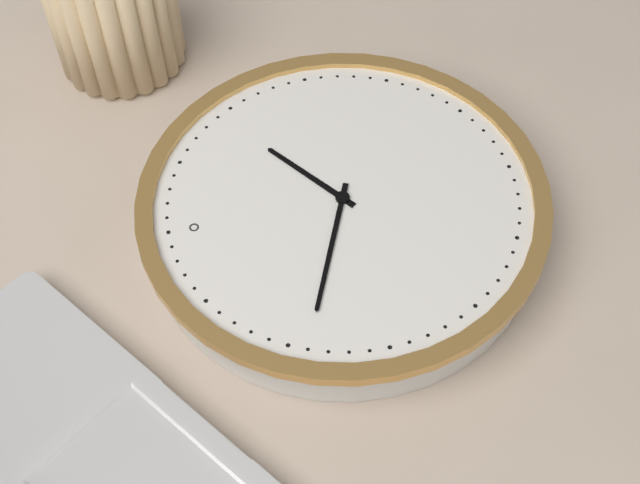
1:49
